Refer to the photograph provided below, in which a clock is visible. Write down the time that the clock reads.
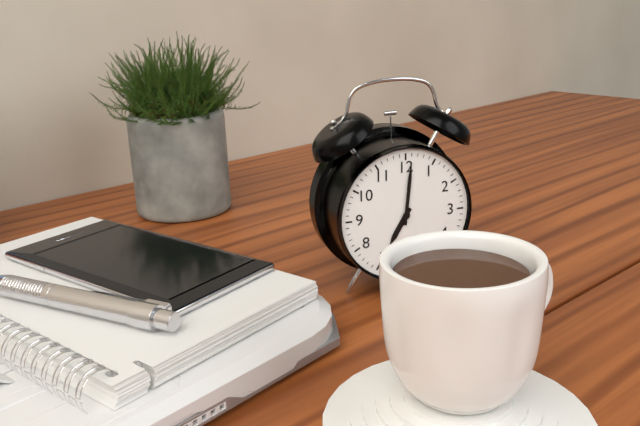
7:01
